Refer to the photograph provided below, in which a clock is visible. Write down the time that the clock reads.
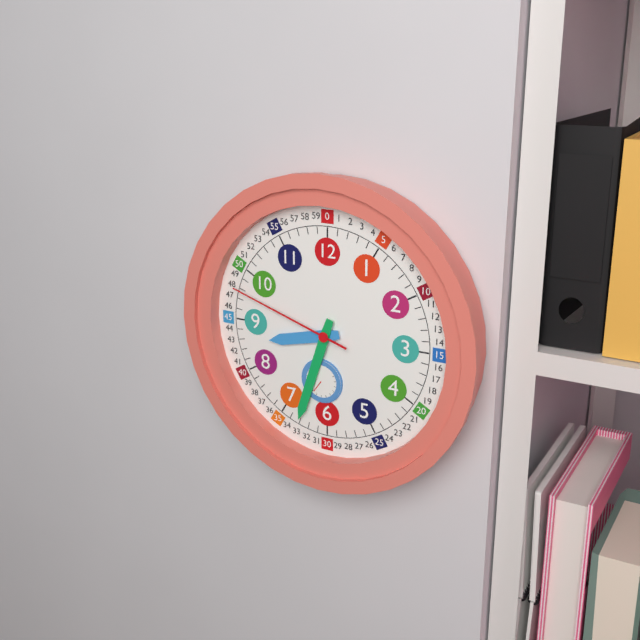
8:33:48
